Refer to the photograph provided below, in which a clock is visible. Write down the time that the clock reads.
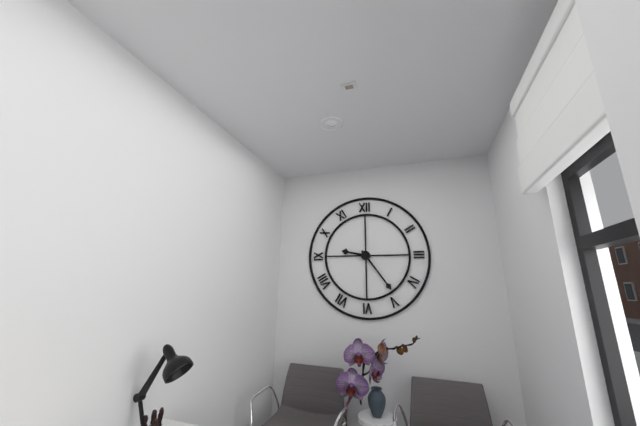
9:24
